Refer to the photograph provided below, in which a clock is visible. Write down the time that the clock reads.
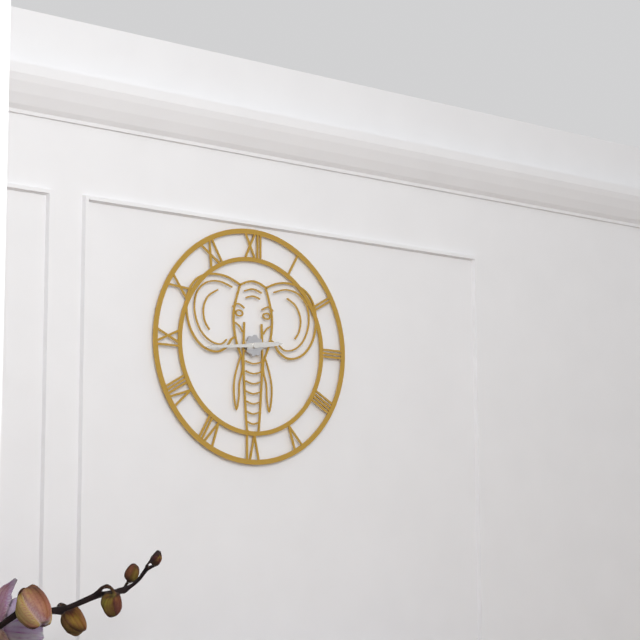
2:44
